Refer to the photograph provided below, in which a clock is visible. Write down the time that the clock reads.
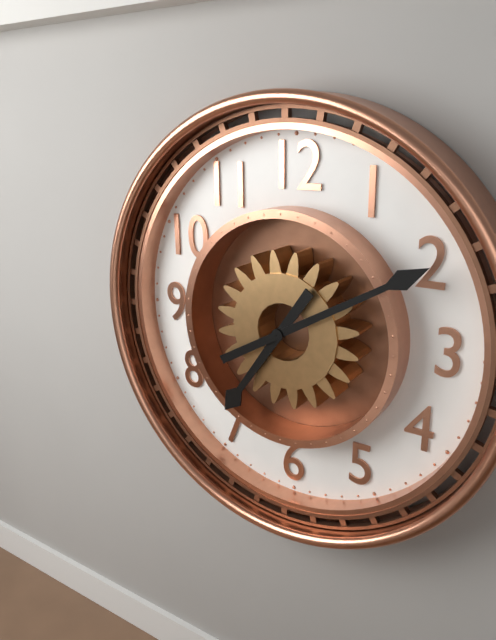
7:10
